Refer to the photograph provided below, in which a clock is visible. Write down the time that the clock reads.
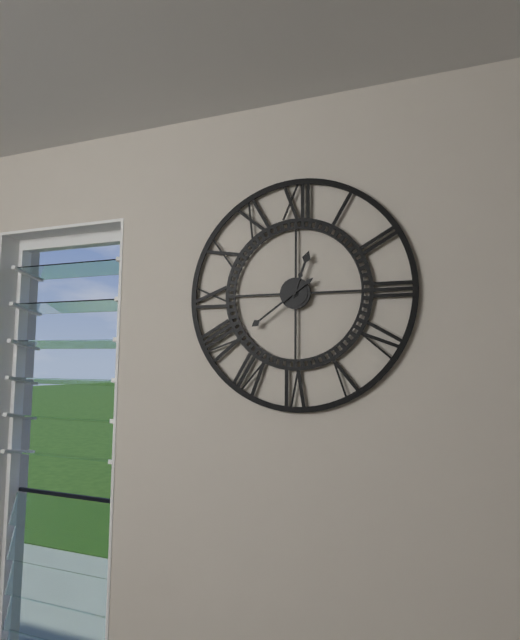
12:39
